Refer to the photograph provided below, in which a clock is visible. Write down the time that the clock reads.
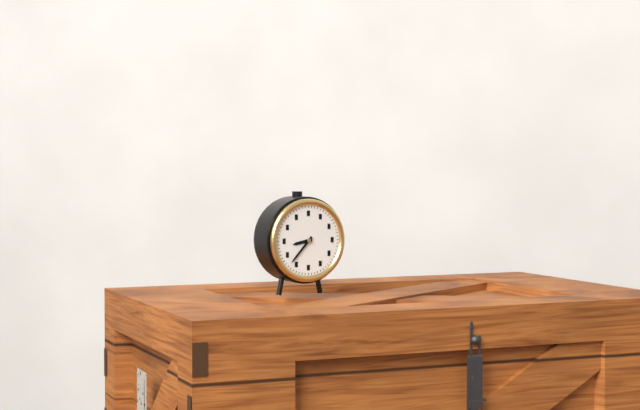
8:37
